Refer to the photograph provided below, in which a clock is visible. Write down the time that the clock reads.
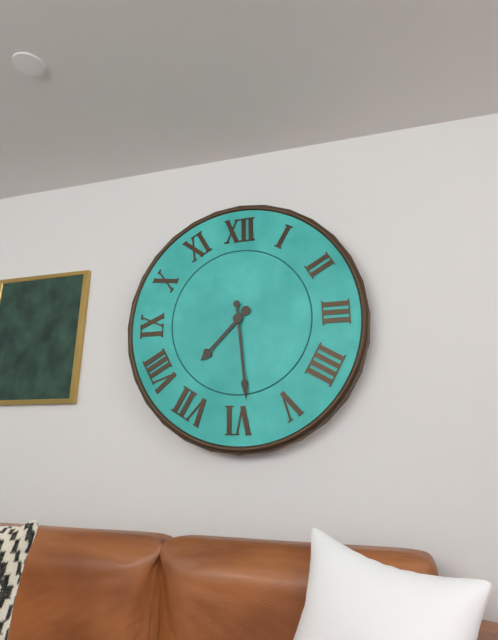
7:29
